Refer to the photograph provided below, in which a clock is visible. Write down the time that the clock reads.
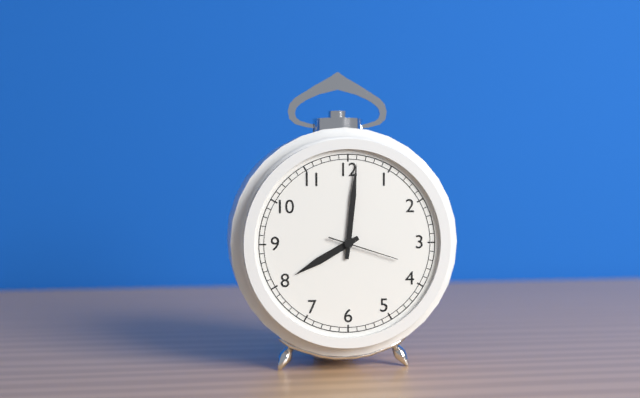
8:01:18
